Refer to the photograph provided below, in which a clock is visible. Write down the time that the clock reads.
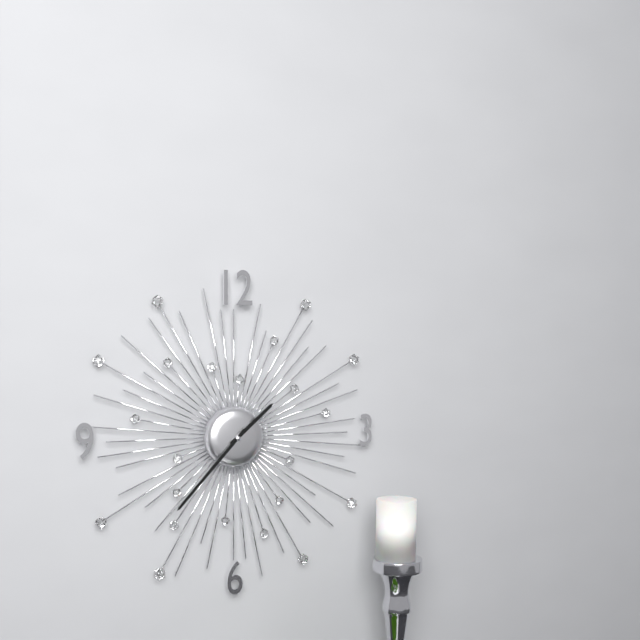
1:37
